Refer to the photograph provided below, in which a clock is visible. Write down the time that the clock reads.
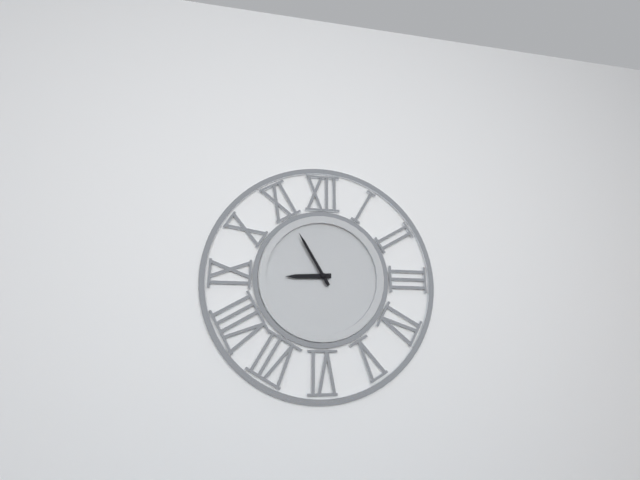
8:55
